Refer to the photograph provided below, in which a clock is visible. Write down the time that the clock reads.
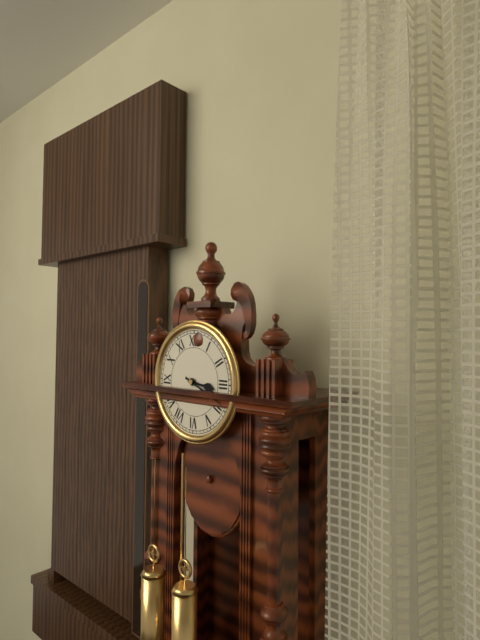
3:19
